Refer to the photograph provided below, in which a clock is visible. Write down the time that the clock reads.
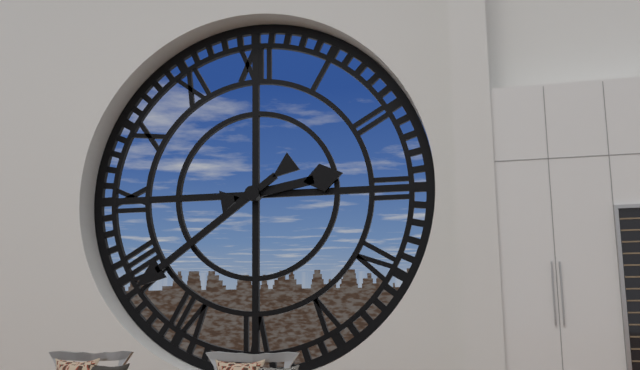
2:39
